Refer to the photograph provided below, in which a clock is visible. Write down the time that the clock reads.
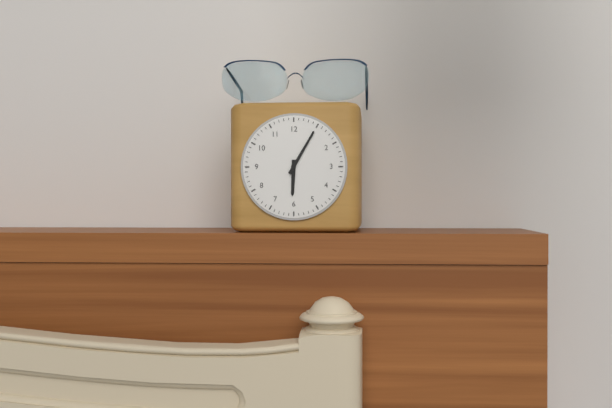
6:05
